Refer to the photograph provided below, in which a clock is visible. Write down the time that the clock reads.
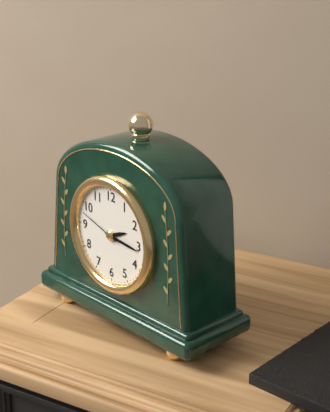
2:16:48
